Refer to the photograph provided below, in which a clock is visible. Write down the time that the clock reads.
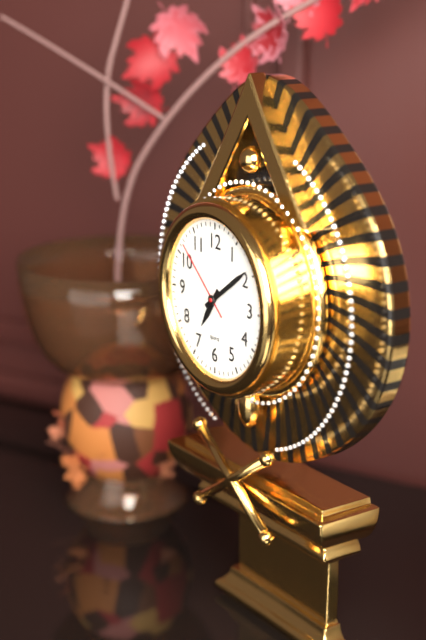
7:09:52
